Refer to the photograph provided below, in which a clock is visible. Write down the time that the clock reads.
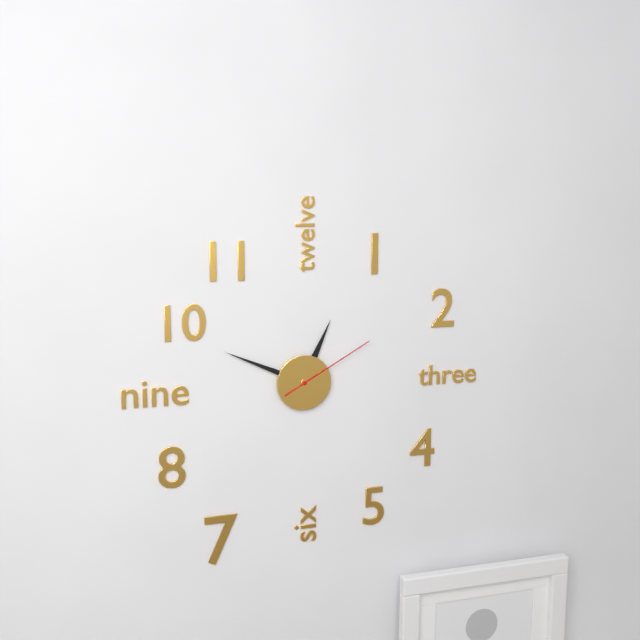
12:49:10
